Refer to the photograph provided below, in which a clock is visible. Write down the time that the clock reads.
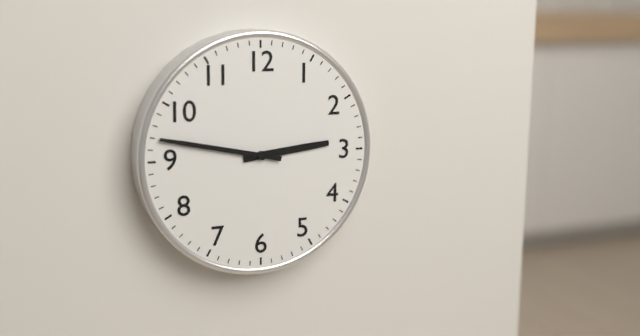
2:47
